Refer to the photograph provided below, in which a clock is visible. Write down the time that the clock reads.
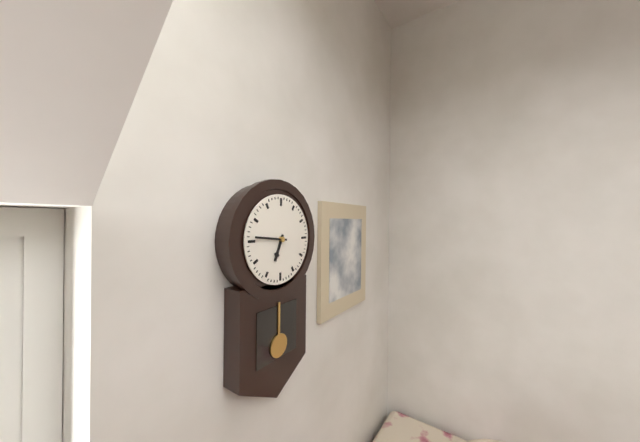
6:46
